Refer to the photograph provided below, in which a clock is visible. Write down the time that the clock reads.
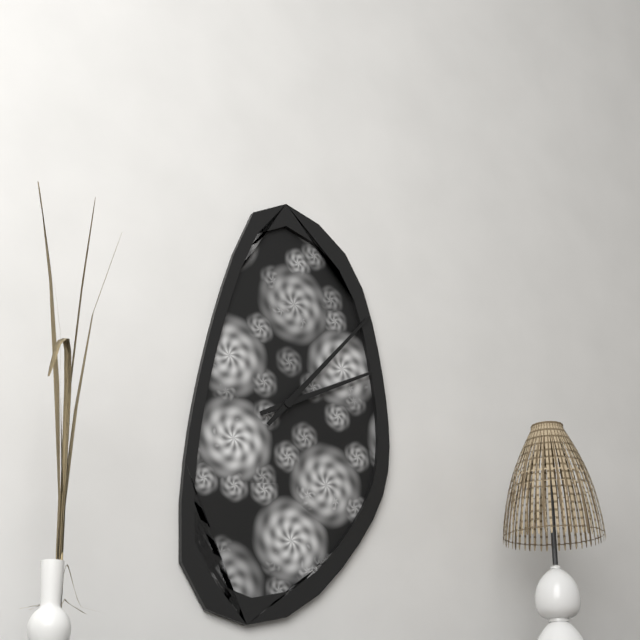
2:07
